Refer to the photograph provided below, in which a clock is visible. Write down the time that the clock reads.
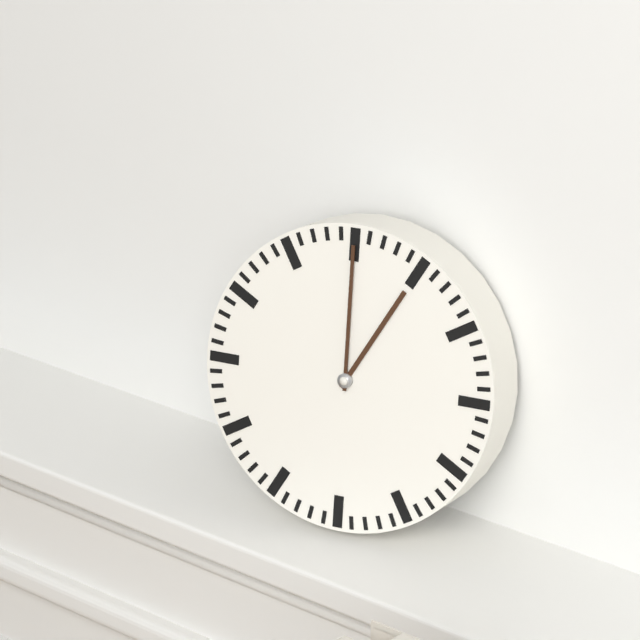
1:00
